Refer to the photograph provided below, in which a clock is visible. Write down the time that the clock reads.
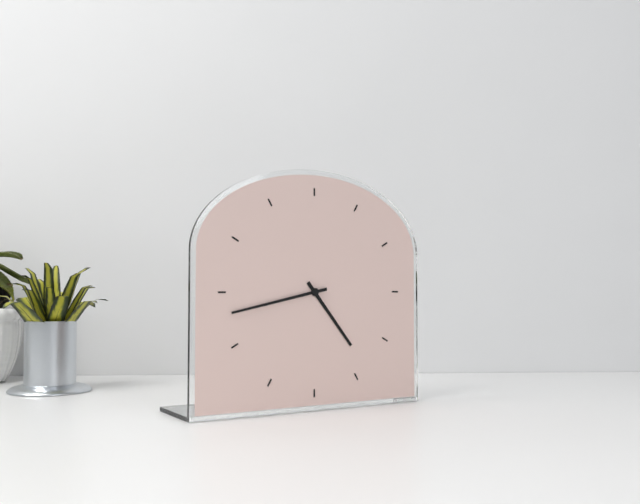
4:43
